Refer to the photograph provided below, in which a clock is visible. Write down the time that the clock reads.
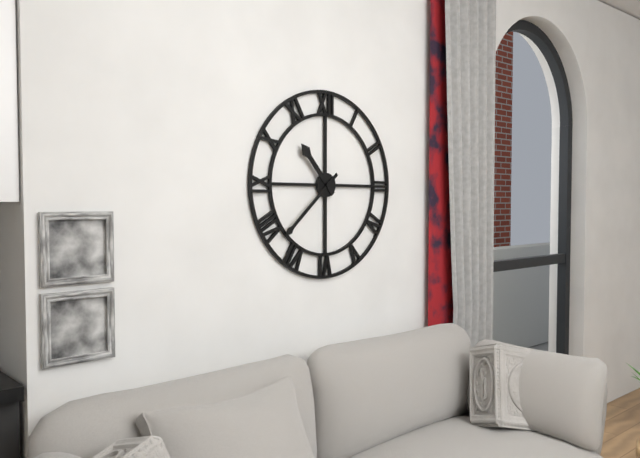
10:38
